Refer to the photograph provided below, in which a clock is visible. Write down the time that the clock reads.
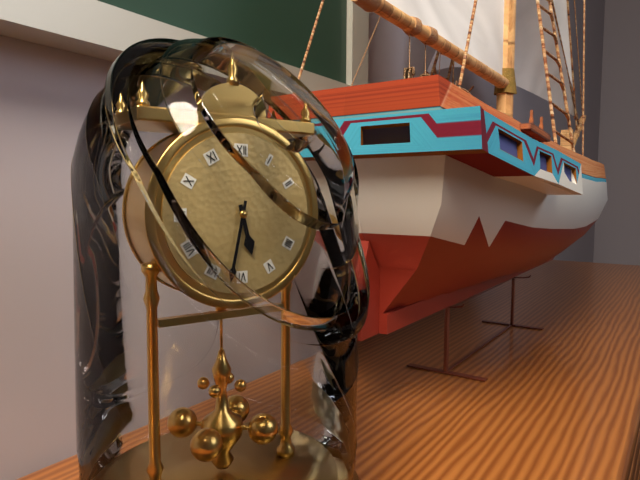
5:32
